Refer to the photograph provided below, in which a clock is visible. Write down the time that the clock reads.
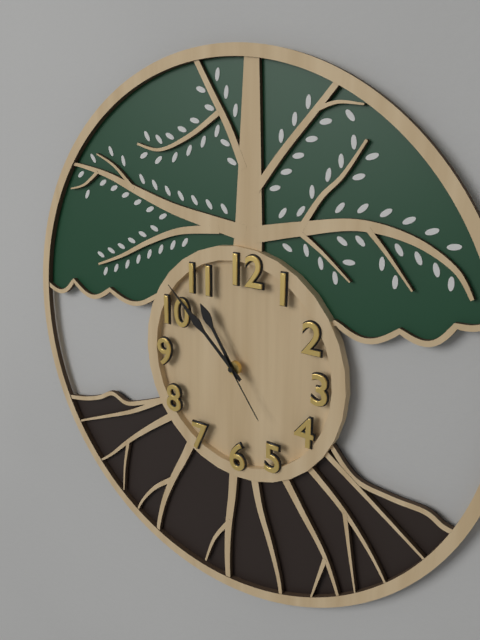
10:52:24
